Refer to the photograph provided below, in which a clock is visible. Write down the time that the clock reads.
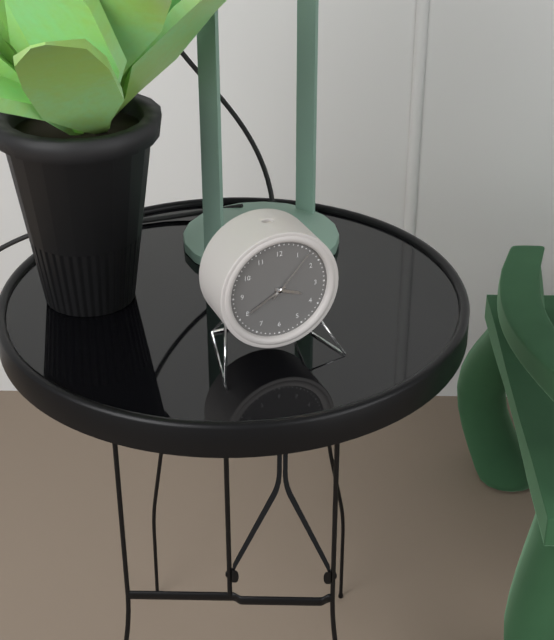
3:40:07
